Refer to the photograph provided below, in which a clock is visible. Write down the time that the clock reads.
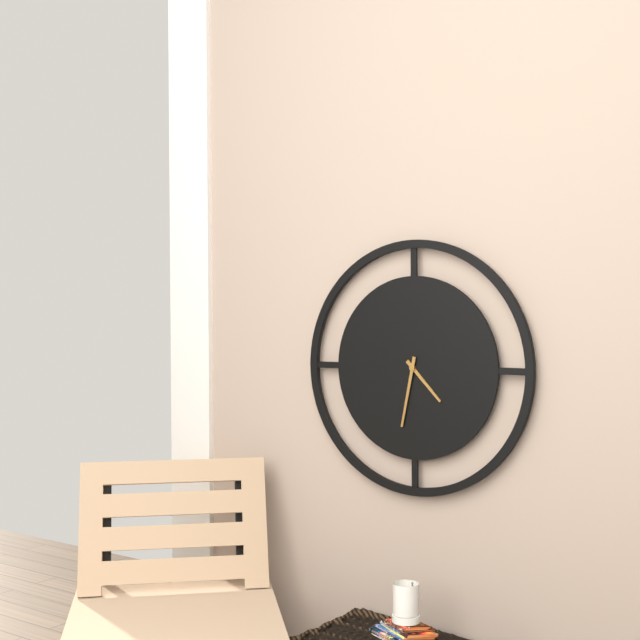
4:32
